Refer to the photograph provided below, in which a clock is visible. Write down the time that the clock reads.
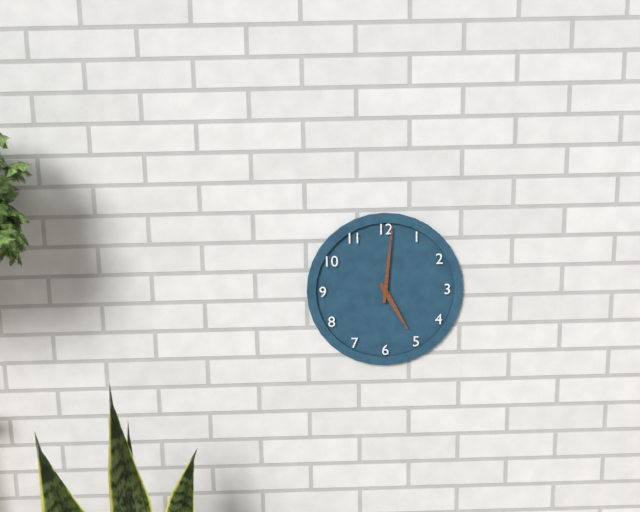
5:01
